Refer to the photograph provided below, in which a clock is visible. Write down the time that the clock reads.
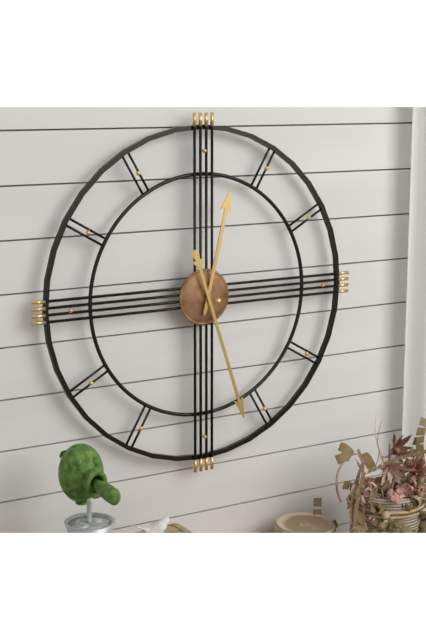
12:27
